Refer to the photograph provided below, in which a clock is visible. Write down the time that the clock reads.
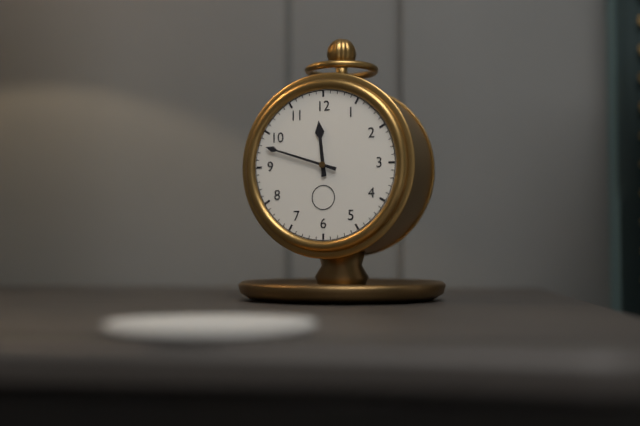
11:48
